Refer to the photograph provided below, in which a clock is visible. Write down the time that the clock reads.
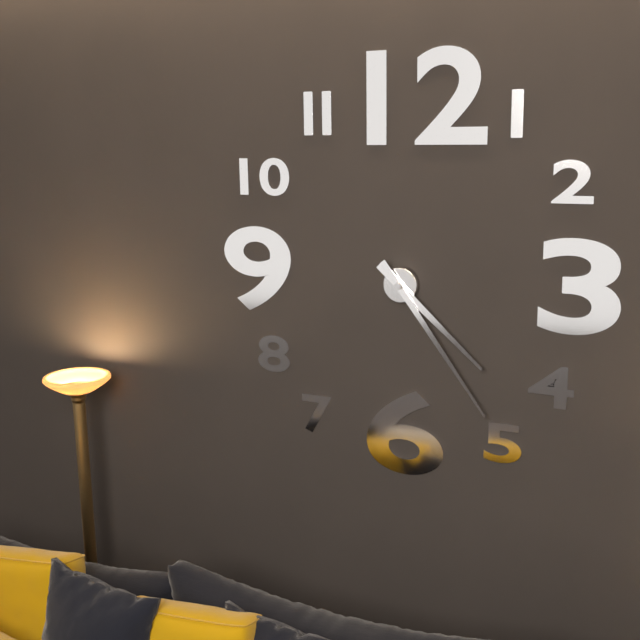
4:24
